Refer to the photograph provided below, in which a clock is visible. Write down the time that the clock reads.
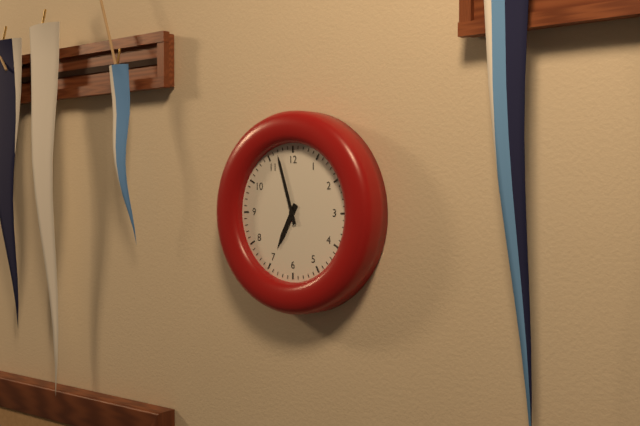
6:57
